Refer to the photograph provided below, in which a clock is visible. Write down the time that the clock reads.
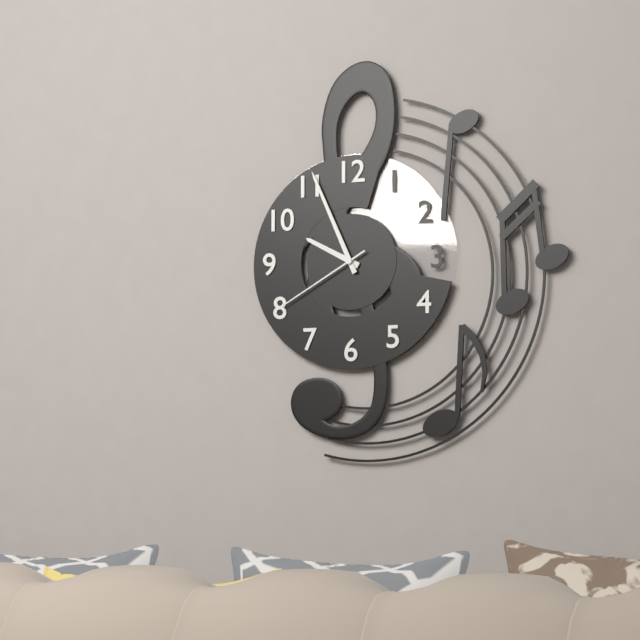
9:56:40
